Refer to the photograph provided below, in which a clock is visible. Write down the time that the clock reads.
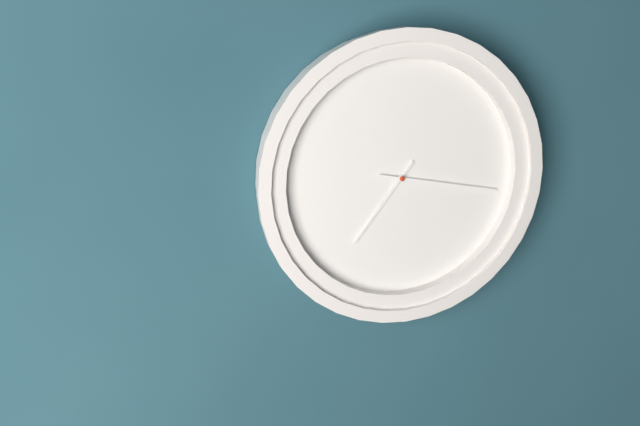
7:17
